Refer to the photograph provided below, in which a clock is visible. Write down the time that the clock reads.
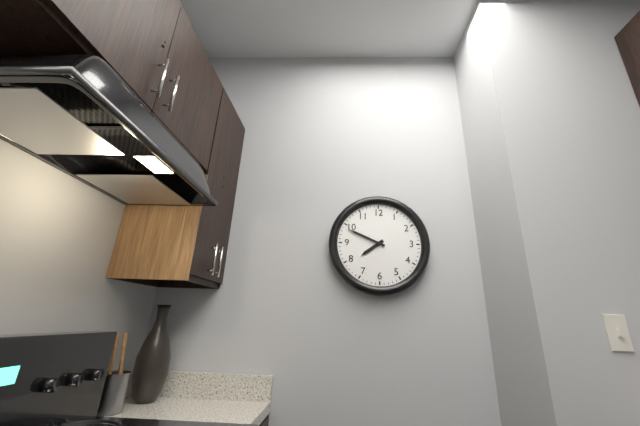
7:49
